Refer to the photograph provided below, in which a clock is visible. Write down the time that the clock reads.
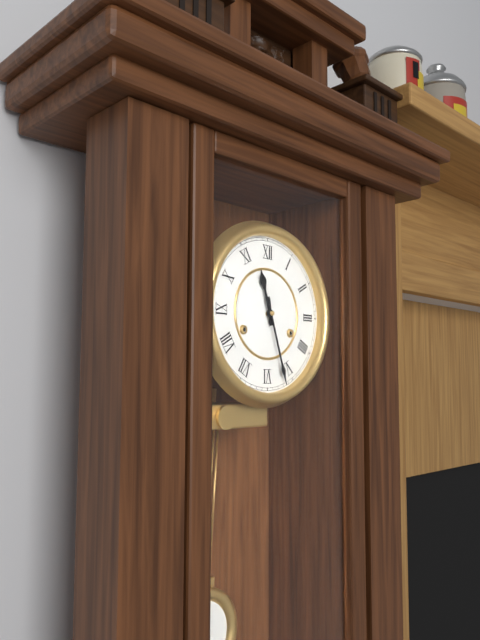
11:27
